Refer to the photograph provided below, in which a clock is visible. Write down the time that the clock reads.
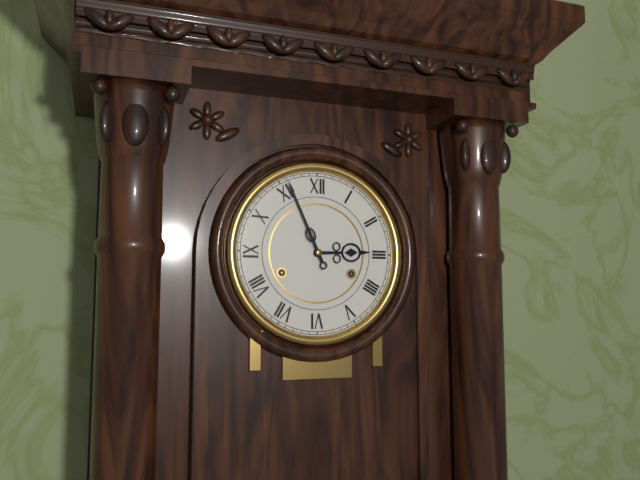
2:56
